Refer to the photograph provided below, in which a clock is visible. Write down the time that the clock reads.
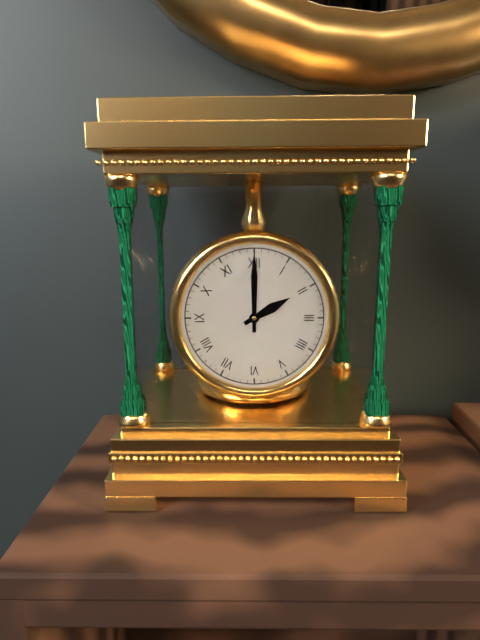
2:00
